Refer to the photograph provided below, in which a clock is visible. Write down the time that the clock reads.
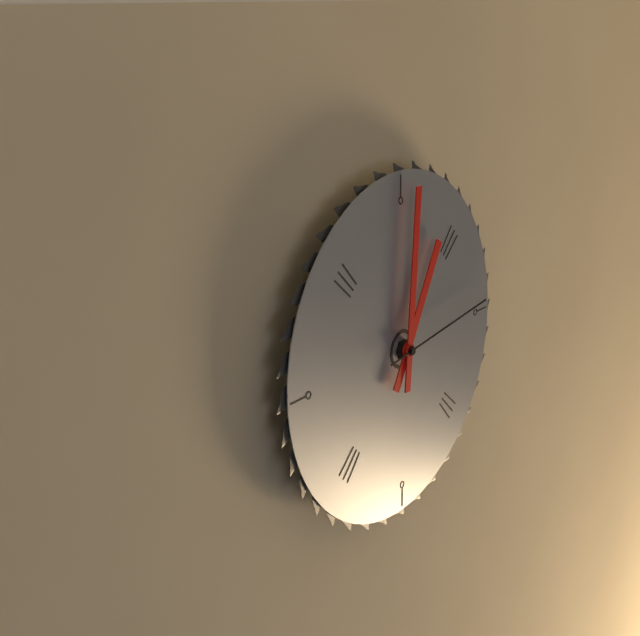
1:01:14
